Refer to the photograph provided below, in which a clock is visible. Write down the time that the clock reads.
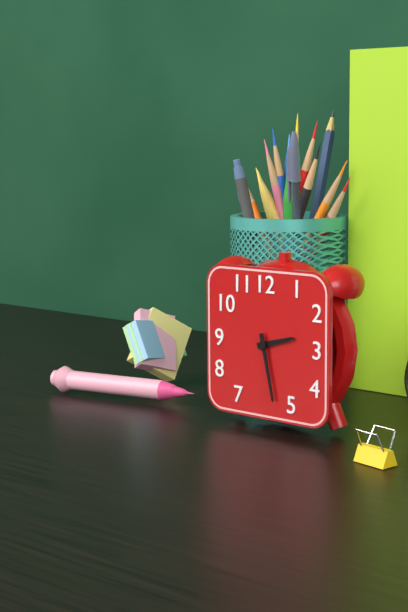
2:28
